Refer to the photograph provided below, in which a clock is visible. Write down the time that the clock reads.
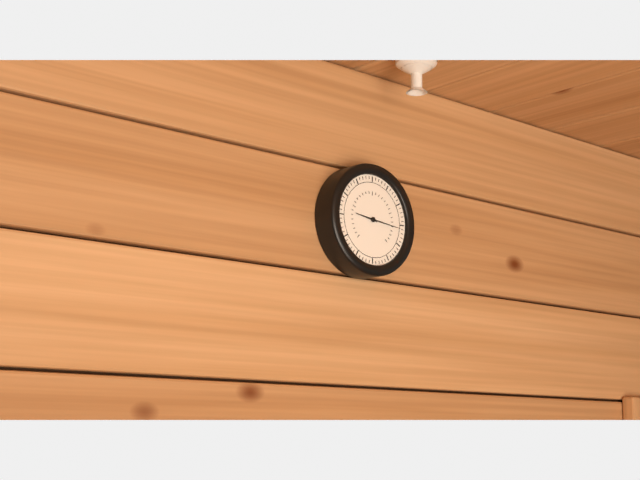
9:16
